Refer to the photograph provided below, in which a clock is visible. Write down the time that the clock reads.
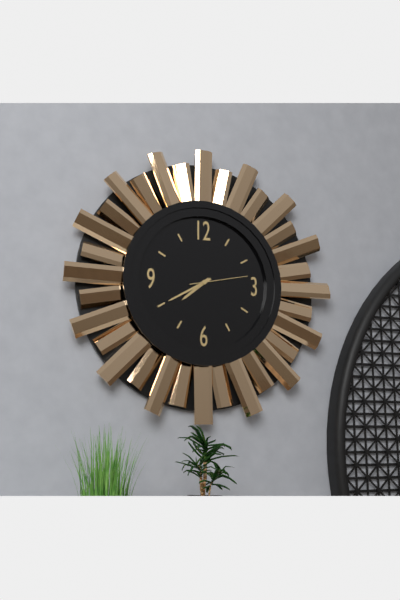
7:40:13
